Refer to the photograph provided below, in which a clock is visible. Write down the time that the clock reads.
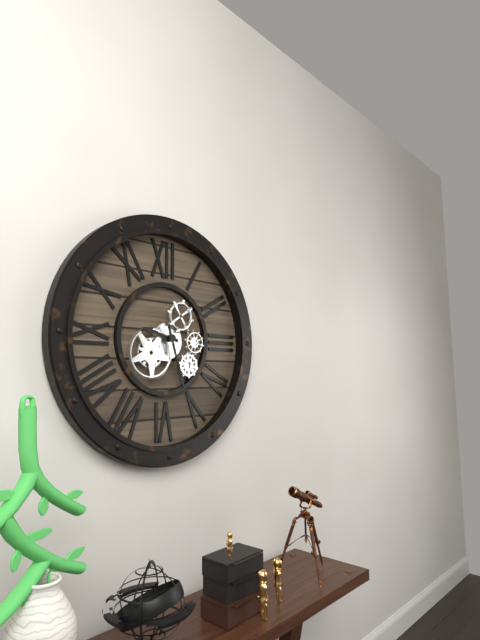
9:27
